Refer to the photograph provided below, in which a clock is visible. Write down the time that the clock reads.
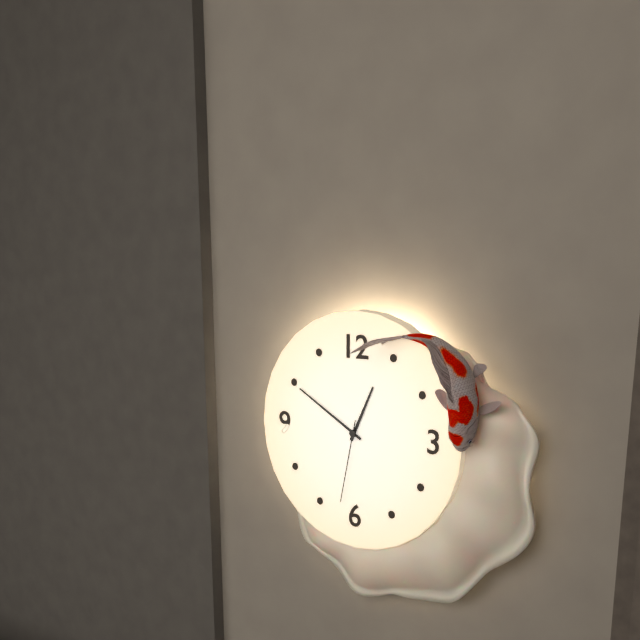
12:50:32
